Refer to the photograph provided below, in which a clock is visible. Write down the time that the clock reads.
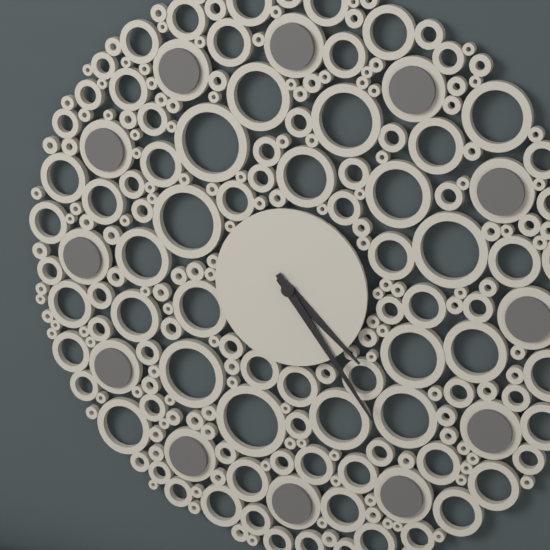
4:24
